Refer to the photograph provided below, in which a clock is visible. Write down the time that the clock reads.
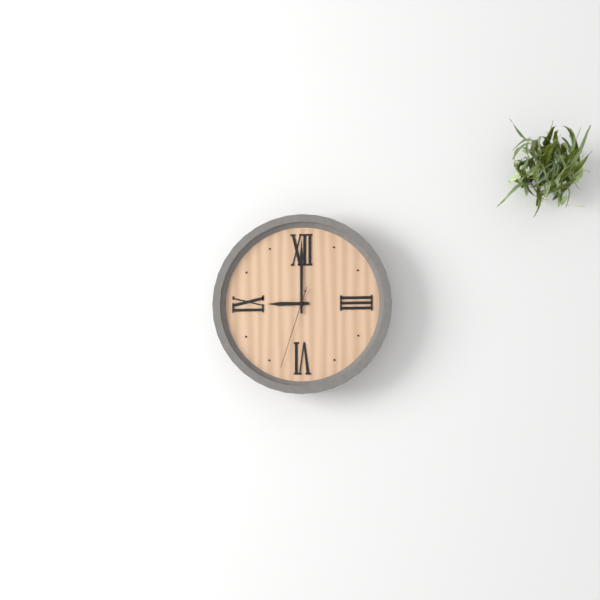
9:00:33
